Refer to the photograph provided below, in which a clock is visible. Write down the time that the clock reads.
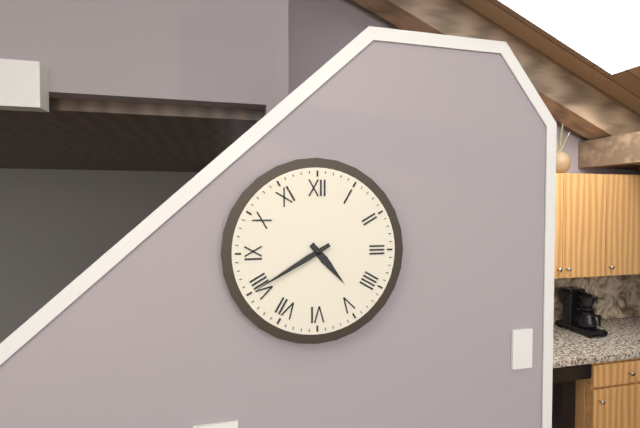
4:40
